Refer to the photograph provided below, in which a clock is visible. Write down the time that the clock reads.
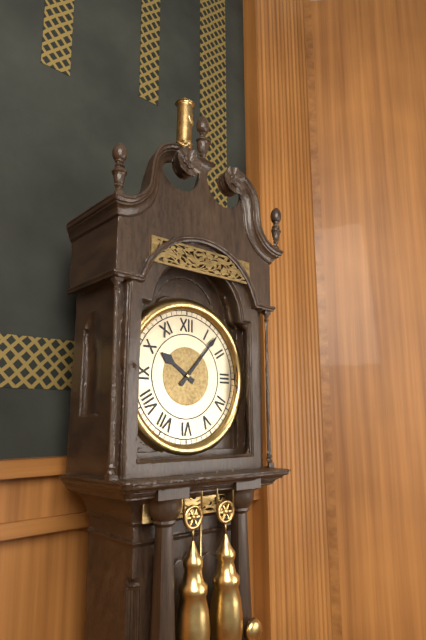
10:07
